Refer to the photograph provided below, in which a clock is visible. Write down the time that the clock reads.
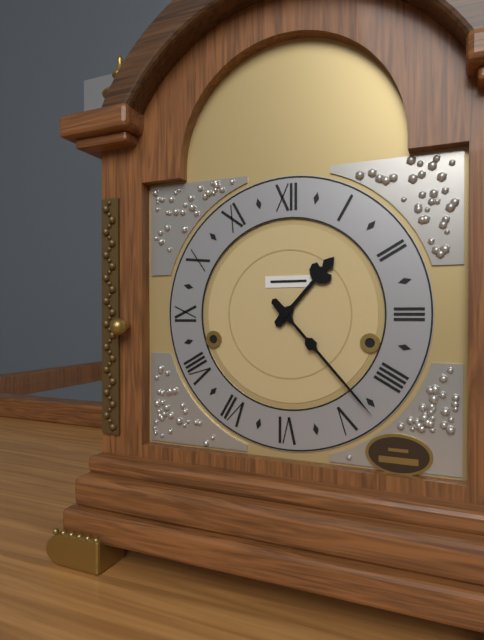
1:23
